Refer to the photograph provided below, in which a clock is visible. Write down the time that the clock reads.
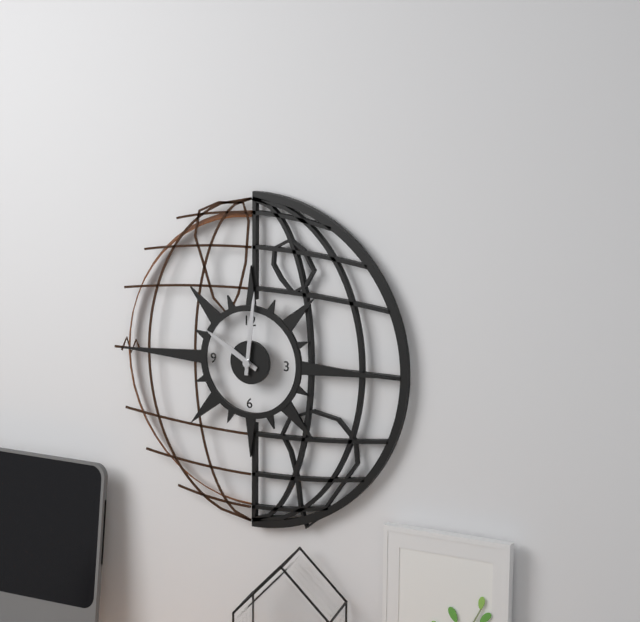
10:01
